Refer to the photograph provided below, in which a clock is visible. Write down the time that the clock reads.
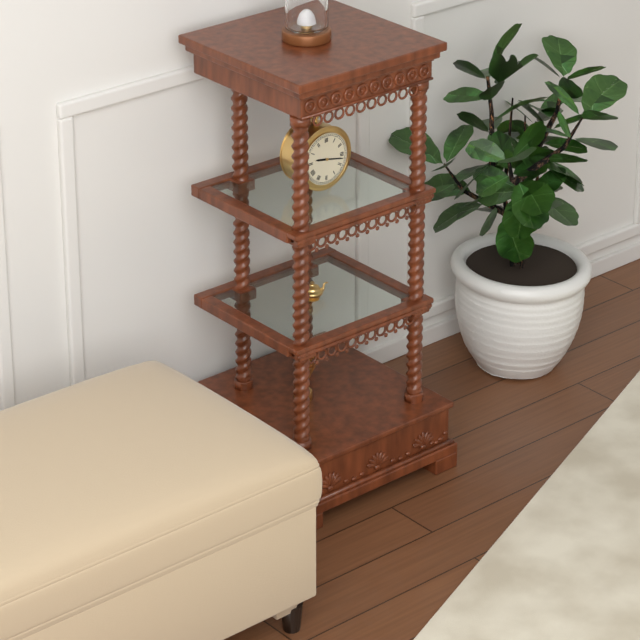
9:17
